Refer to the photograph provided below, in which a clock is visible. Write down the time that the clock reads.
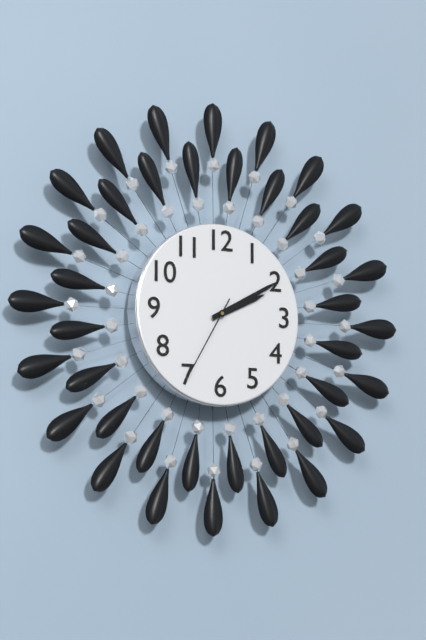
2:10:35
